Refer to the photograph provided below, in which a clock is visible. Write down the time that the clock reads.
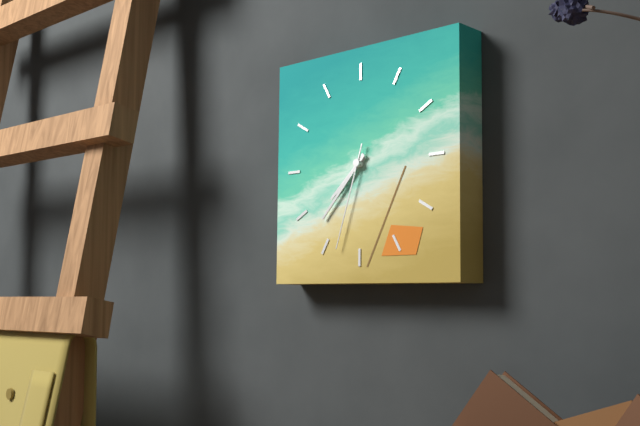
7:37:33
